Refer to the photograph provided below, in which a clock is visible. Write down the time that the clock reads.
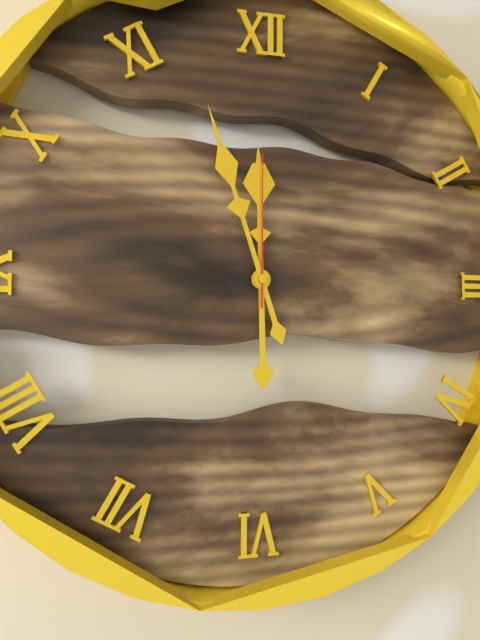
11:57:00
